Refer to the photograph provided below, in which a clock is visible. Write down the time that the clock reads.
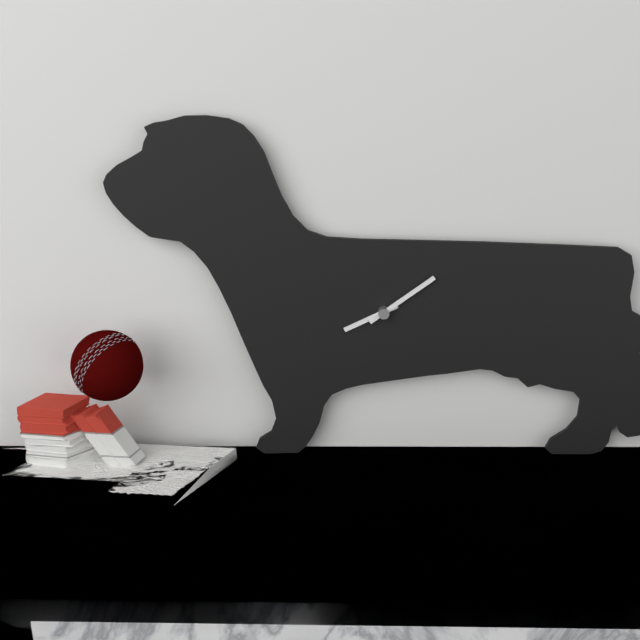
8:09
